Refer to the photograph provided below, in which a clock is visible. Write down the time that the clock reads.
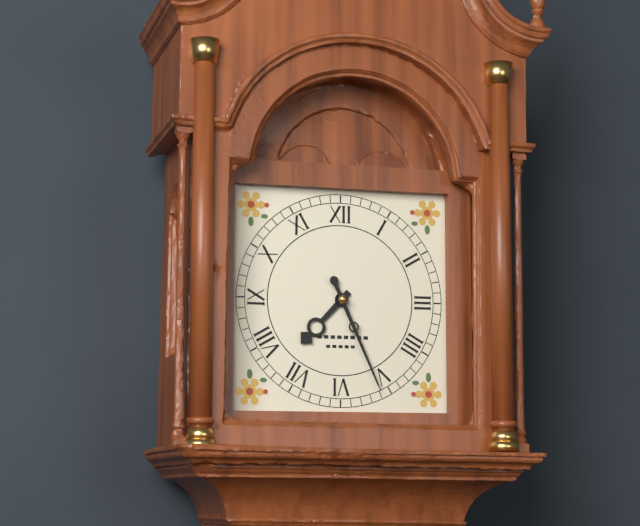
7:26
